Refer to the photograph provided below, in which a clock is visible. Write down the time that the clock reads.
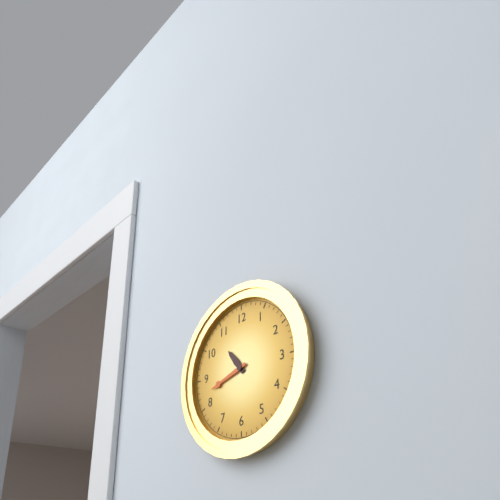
10:42
